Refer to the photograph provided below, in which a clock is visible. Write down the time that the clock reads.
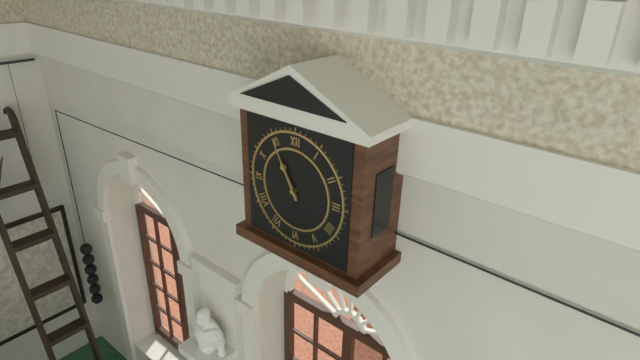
10:55
